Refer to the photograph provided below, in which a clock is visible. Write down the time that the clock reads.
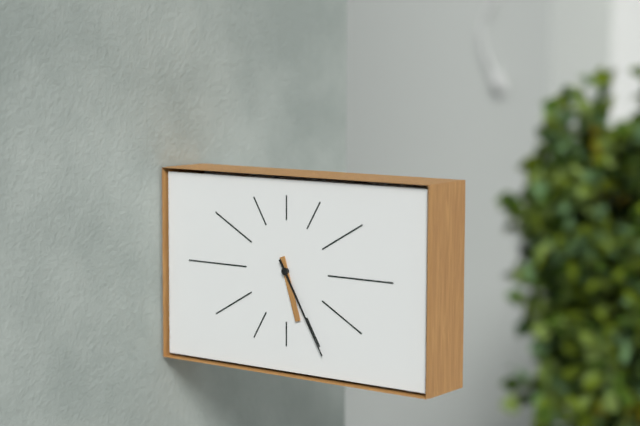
5:25
